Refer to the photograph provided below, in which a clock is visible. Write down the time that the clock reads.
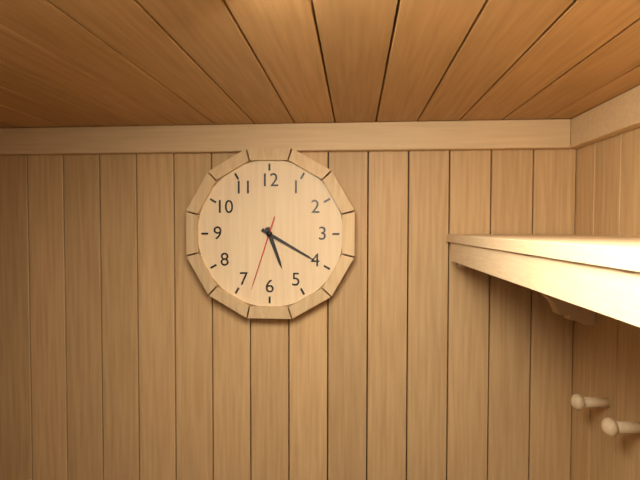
5:20:33
